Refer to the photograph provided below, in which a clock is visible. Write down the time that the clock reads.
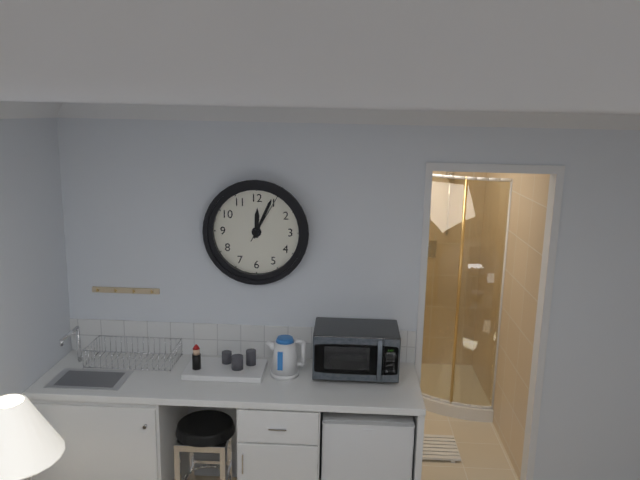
12:04:05
